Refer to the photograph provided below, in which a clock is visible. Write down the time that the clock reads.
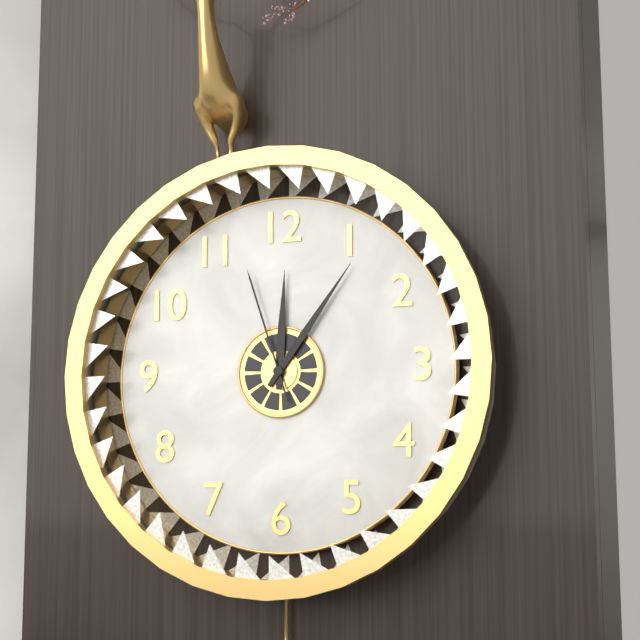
12:06:57
